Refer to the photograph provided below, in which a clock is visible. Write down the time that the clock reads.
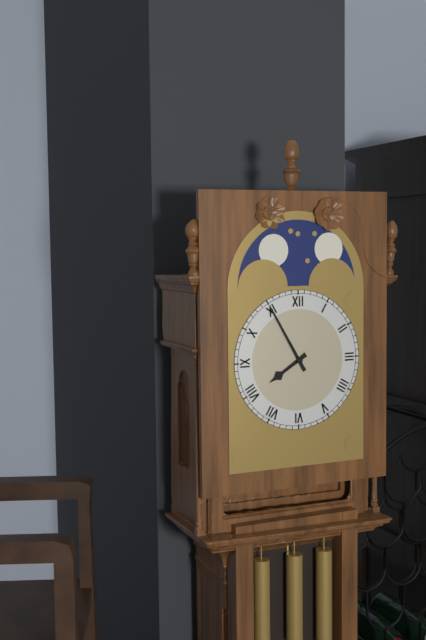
7:55
